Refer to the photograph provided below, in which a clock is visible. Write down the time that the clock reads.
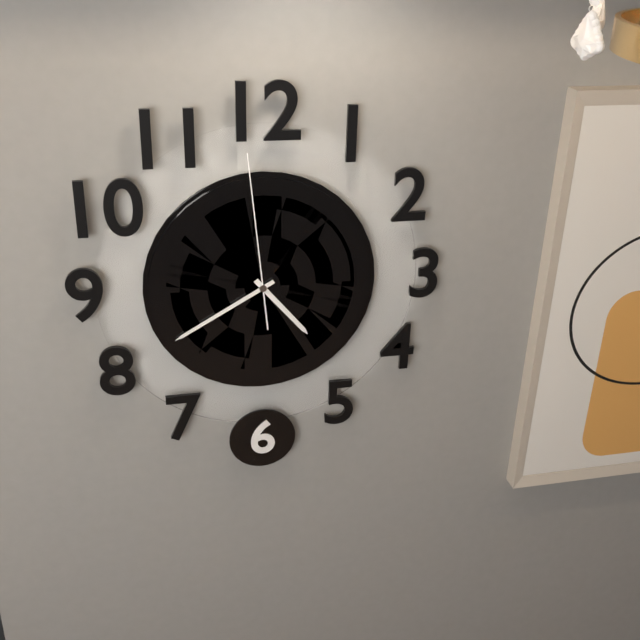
4:40:59
